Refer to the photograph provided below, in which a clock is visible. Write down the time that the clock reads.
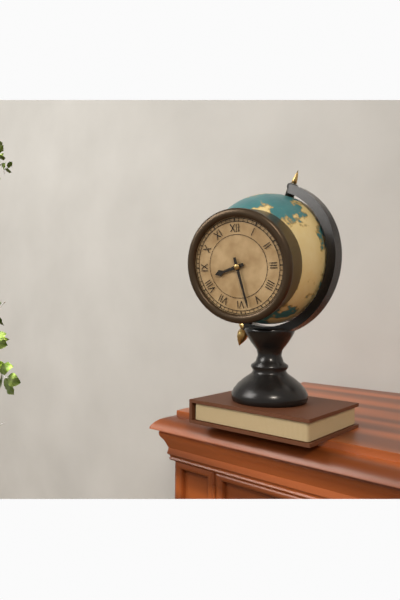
8:28
